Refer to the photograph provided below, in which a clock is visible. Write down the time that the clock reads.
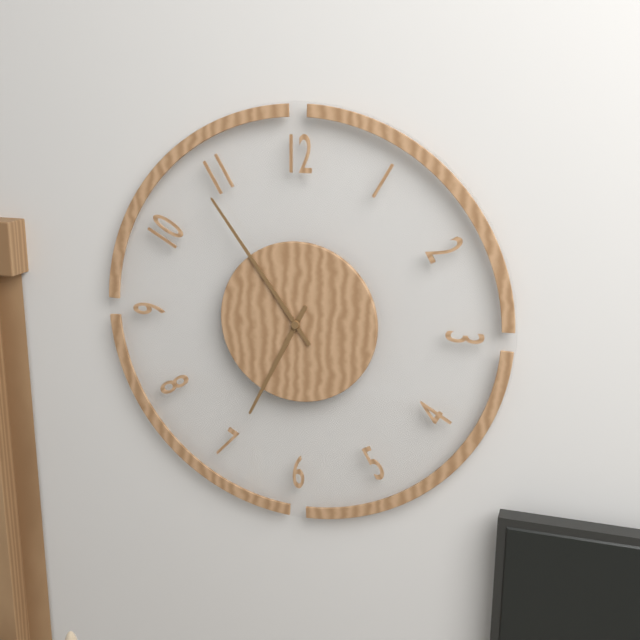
6:54
